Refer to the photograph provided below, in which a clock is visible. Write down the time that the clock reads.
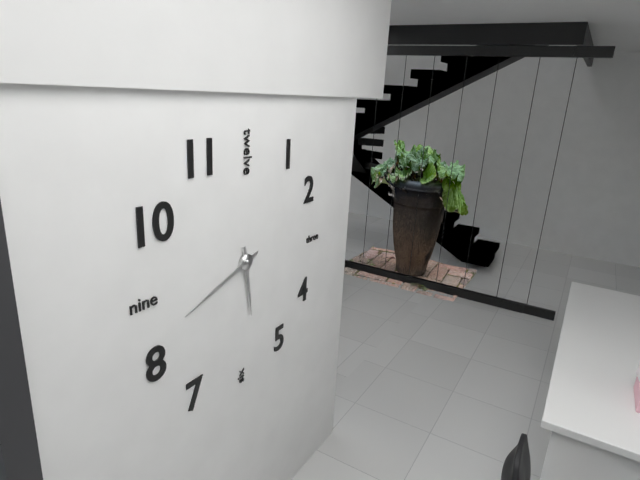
5:42
